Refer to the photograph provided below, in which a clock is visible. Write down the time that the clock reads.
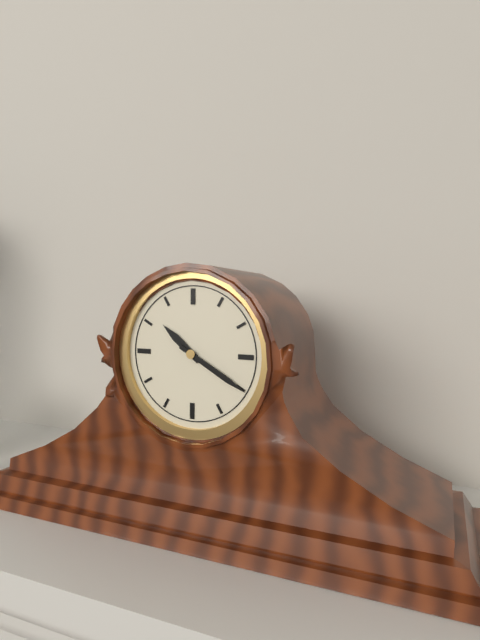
10:20
